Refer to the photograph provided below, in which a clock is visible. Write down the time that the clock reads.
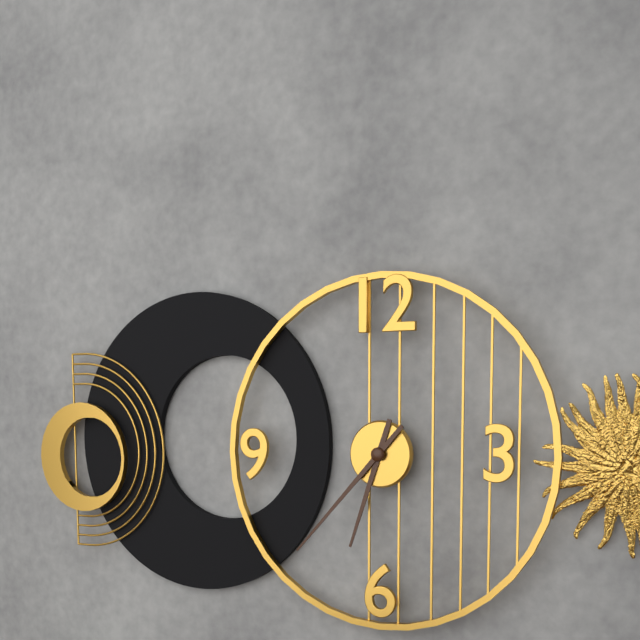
6:37
